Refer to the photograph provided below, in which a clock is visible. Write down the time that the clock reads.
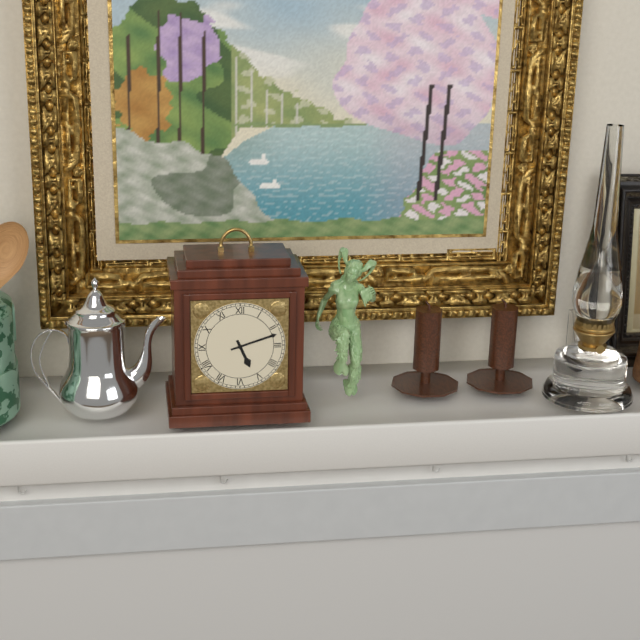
5:12
